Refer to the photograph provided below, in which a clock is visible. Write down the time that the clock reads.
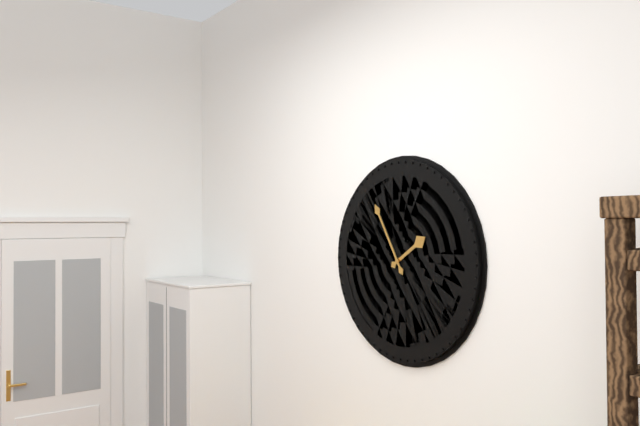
1:55
